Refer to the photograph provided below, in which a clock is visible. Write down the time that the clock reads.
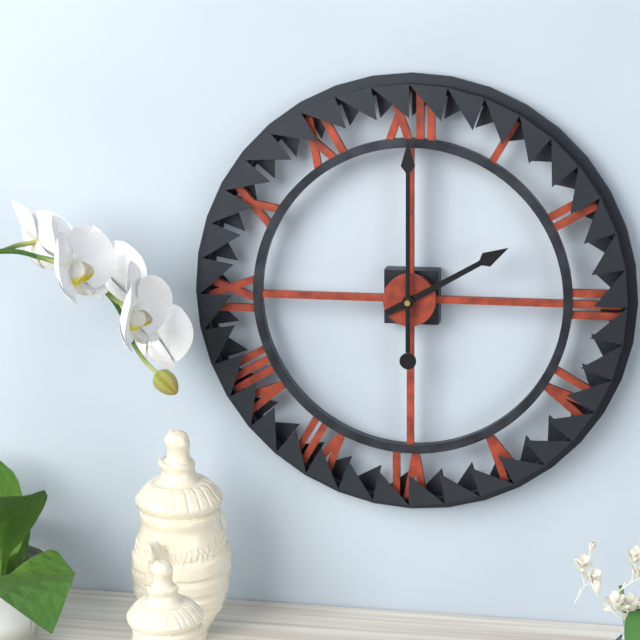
2:00
